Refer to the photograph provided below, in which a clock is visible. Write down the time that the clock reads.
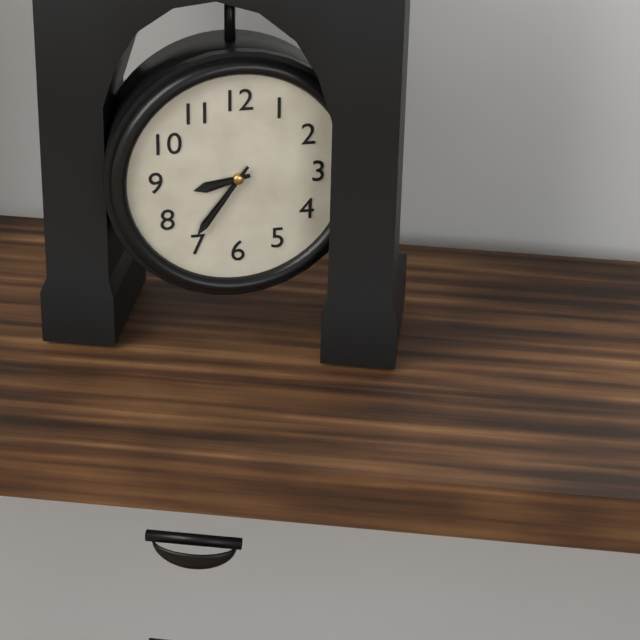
8:36
